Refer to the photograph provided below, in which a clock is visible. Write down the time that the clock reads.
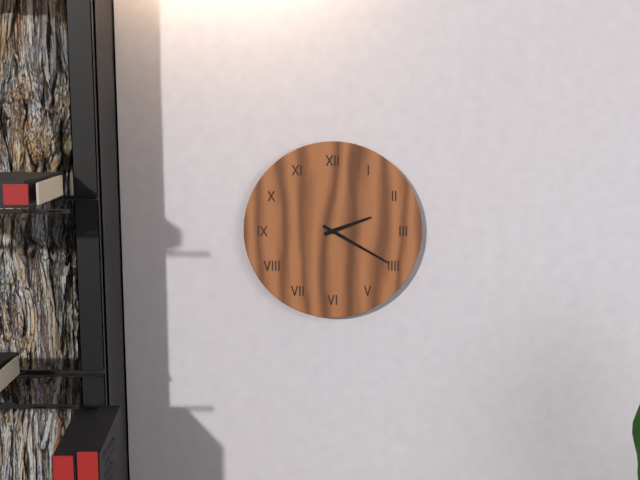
2:20
